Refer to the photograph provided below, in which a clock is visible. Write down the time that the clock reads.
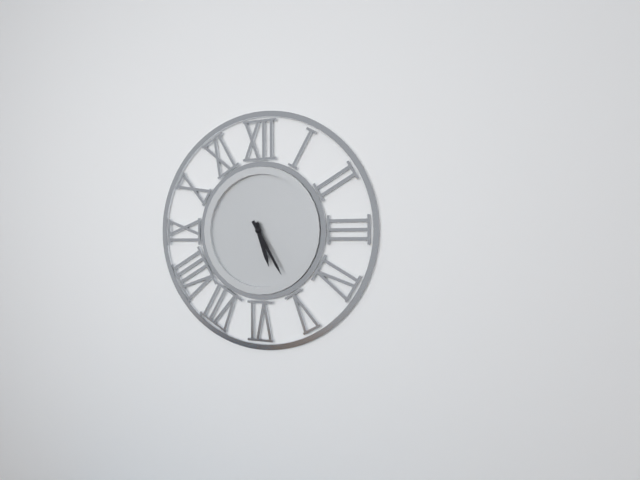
5:25
